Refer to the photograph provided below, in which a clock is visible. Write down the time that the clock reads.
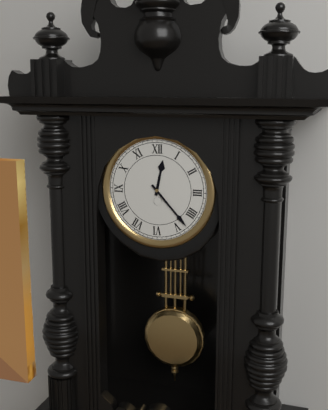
12:23
